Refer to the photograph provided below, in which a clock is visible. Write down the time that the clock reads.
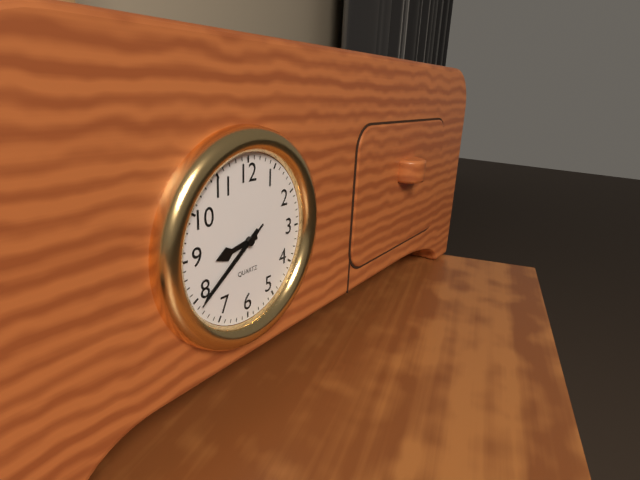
8:39:39
